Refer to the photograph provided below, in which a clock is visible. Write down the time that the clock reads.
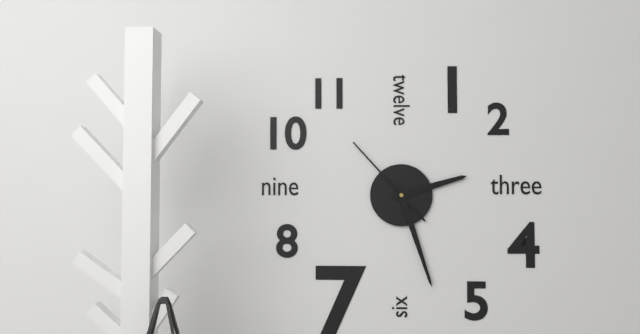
2:27:53
